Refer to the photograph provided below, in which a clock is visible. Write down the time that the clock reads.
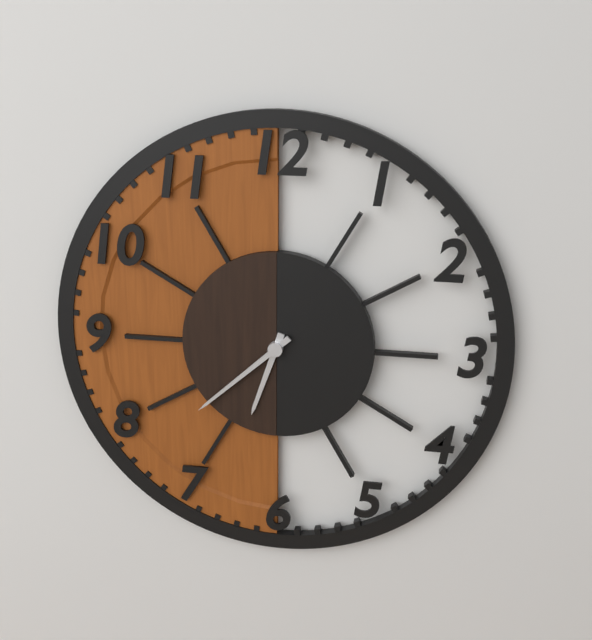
6:38
